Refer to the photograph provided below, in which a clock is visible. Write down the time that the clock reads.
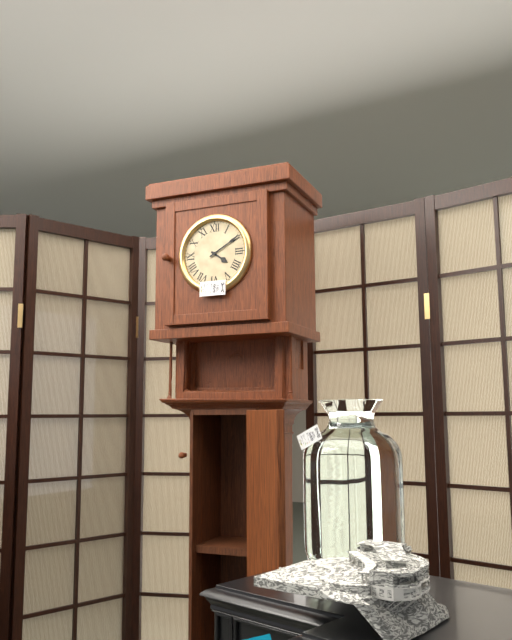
4:10
